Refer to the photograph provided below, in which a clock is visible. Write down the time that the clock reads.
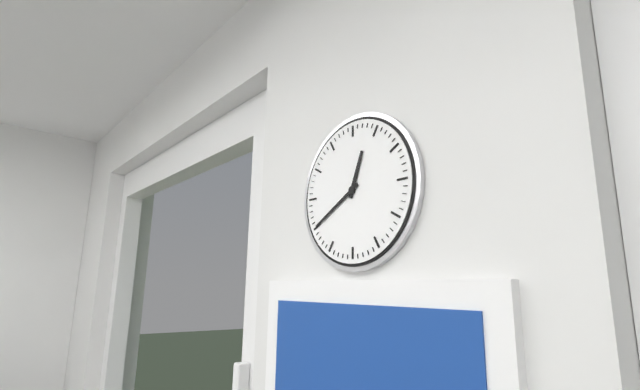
12:40
